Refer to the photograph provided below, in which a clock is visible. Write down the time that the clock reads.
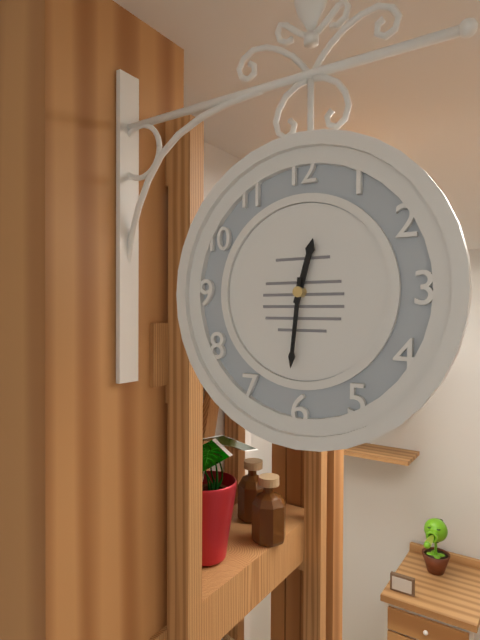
12:31
